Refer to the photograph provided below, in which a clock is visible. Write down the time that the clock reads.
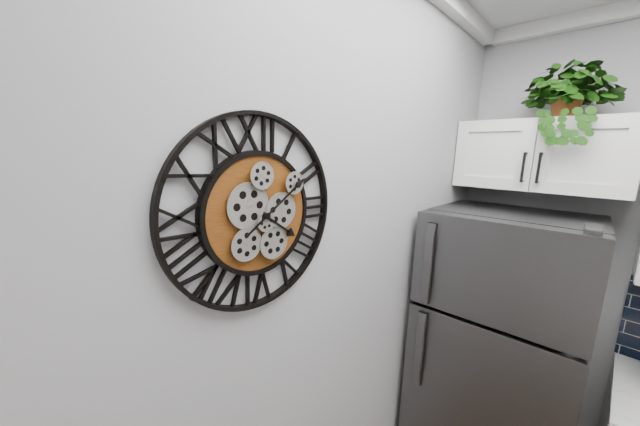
4:09
